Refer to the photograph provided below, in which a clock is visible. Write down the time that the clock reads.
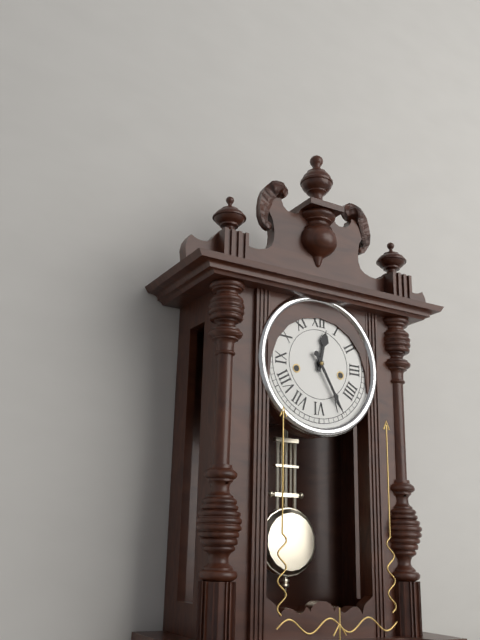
12:25
